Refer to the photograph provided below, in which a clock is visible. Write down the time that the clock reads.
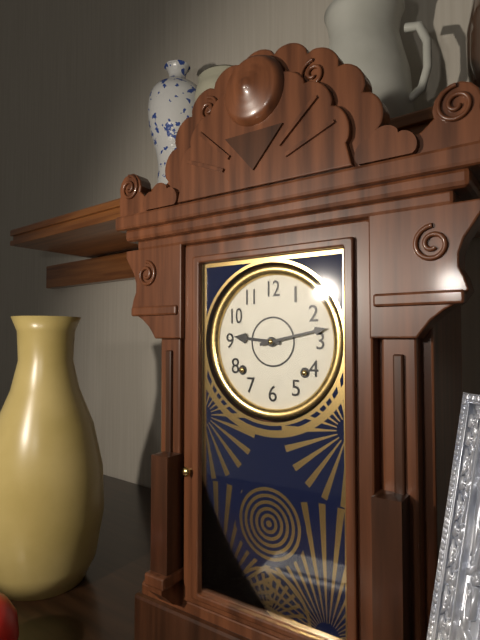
9:13
